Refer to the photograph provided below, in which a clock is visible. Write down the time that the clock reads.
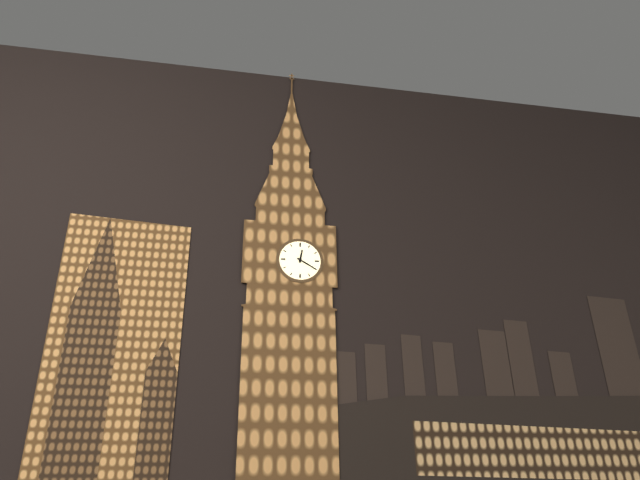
12:20
